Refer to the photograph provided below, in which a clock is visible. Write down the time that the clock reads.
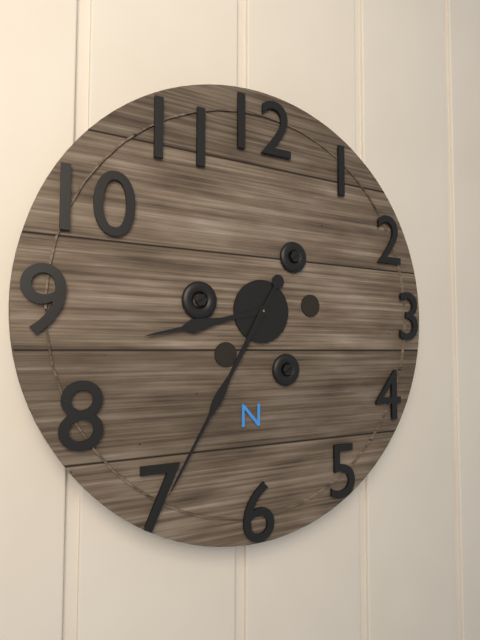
8:35
